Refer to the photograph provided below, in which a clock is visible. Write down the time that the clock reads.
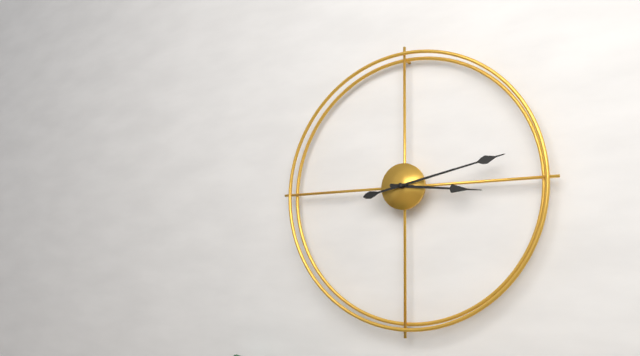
3:13
